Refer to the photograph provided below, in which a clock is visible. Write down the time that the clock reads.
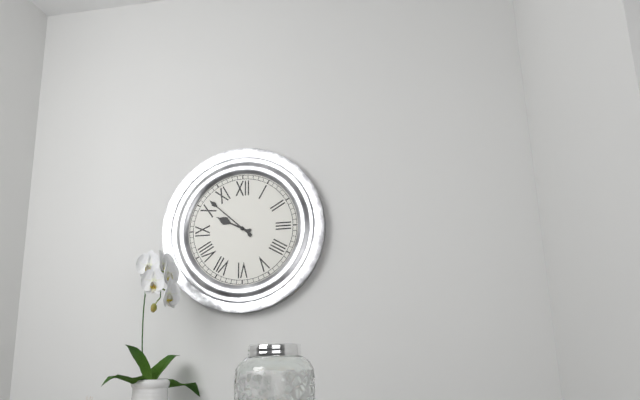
9:52
